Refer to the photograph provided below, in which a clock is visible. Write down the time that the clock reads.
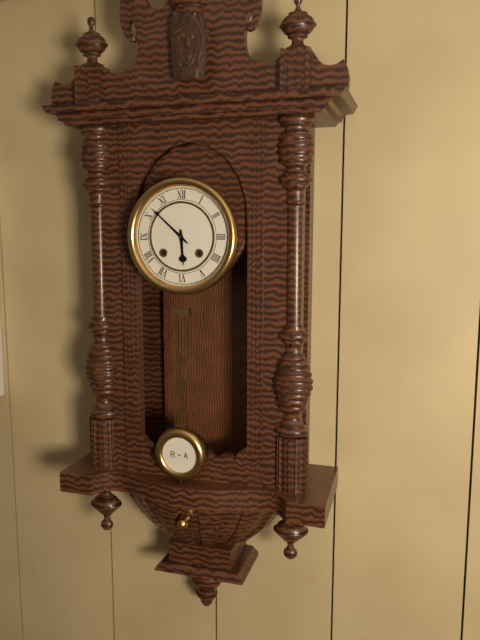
5:52
